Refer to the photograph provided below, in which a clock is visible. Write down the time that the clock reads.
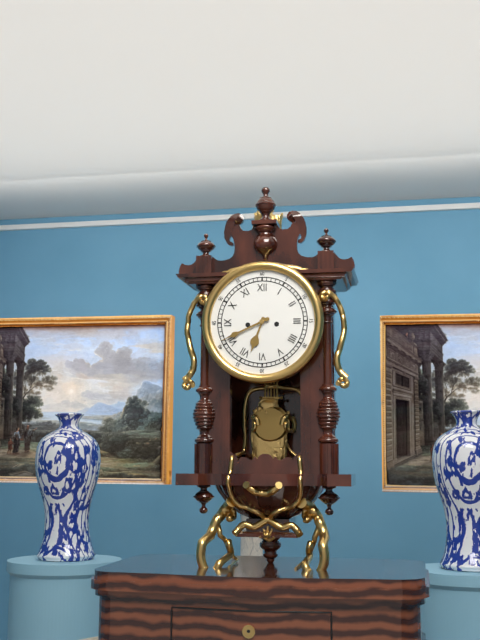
6:41
